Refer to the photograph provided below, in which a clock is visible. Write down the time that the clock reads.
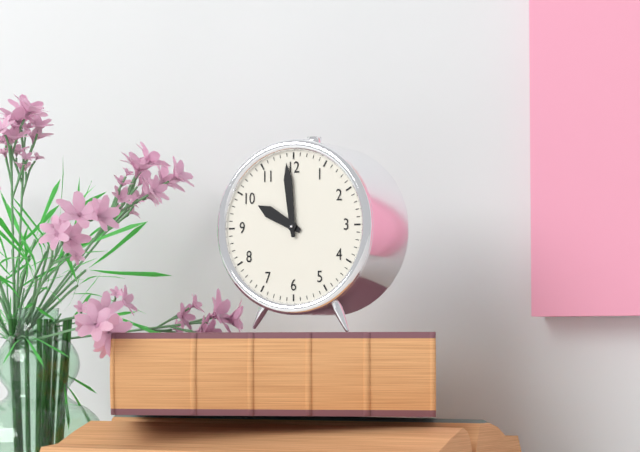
9:59
